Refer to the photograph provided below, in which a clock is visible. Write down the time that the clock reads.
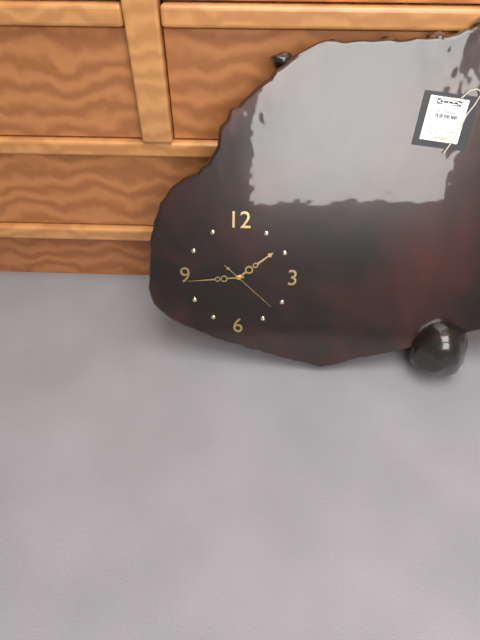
1:44:22
